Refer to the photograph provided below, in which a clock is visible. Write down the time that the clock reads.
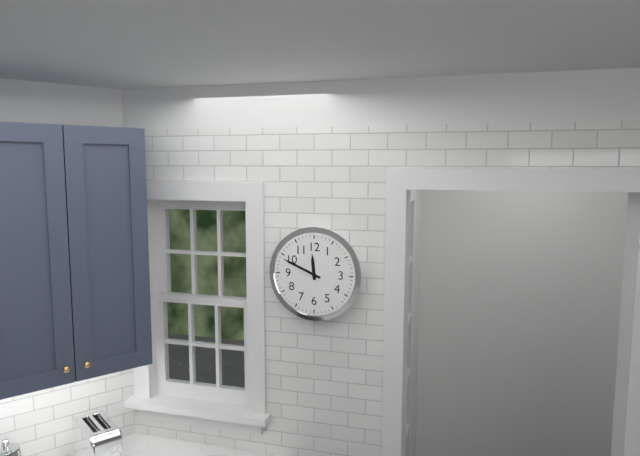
11:49
